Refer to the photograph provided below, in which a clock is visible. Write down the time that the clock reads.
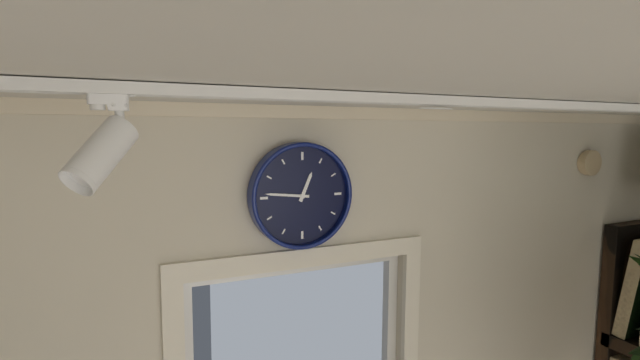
12:46
